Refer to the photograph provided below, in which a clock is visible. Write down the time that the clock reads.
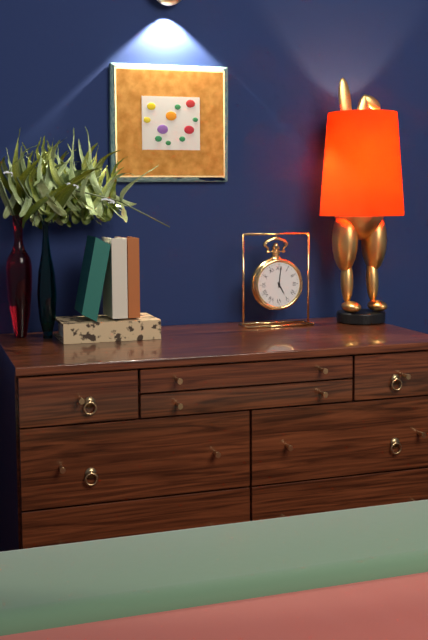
5:01
